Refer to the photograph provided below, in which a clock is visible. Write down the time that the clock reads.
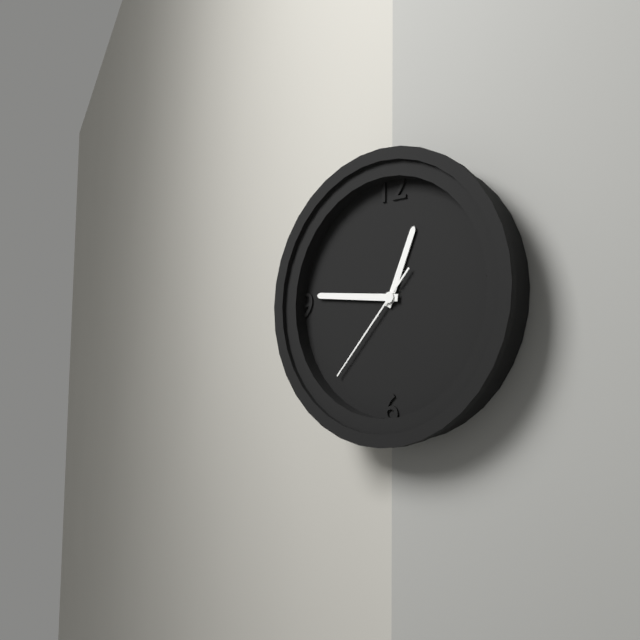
12:46:37
